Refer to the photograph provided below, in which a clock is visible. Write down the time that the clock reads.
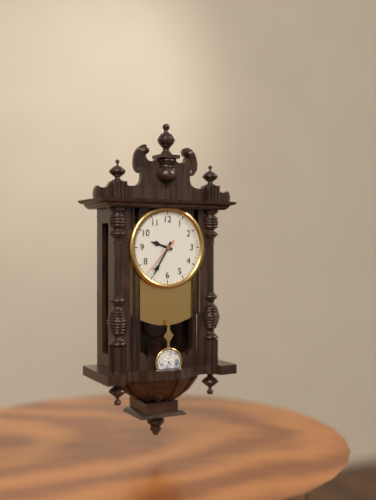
9:35
